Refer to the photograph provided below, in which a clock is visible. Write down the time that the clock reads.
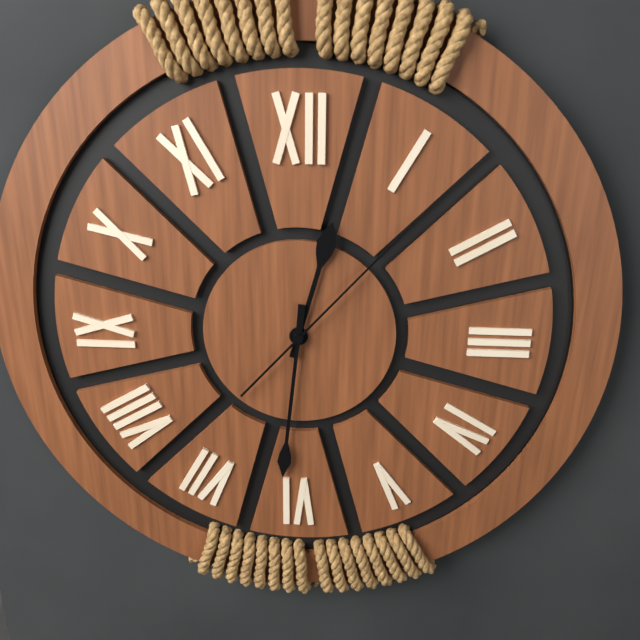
12:31:07
